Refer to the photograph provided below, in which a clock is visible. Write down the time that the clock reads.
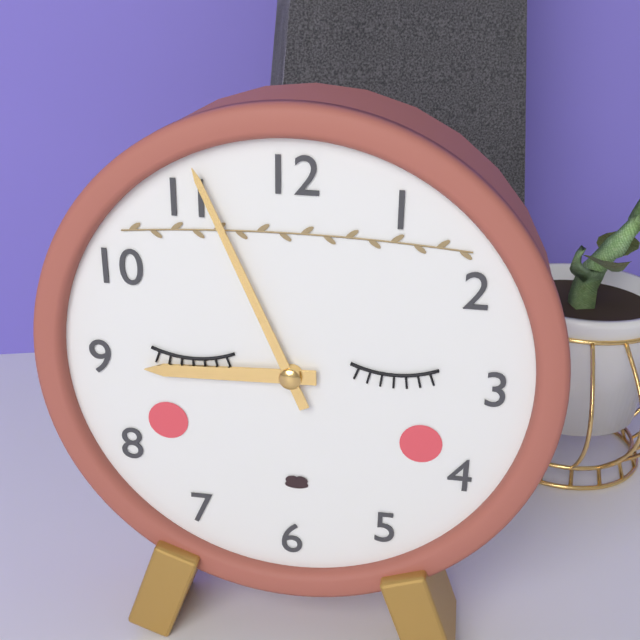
8:56
